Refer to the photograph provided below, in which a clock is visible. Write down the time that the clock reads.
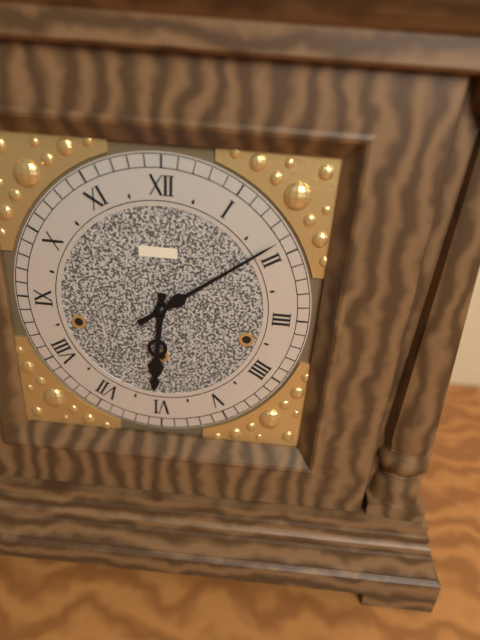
6:09
